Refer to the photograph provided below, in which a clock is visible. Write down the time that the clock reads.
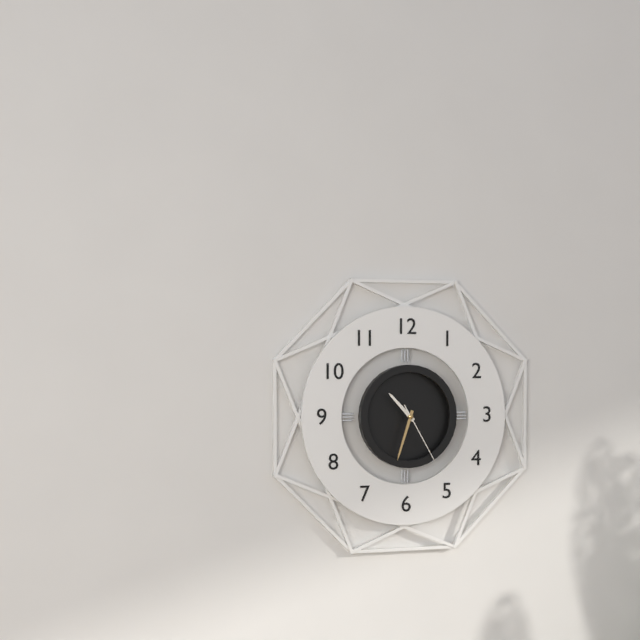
10:33:25
